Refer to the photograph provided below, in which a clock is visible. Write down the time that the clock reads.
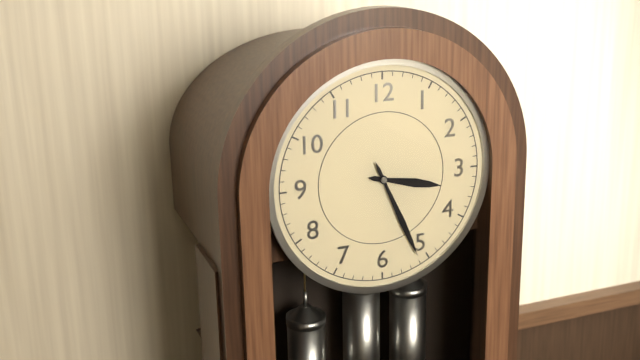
3:26
